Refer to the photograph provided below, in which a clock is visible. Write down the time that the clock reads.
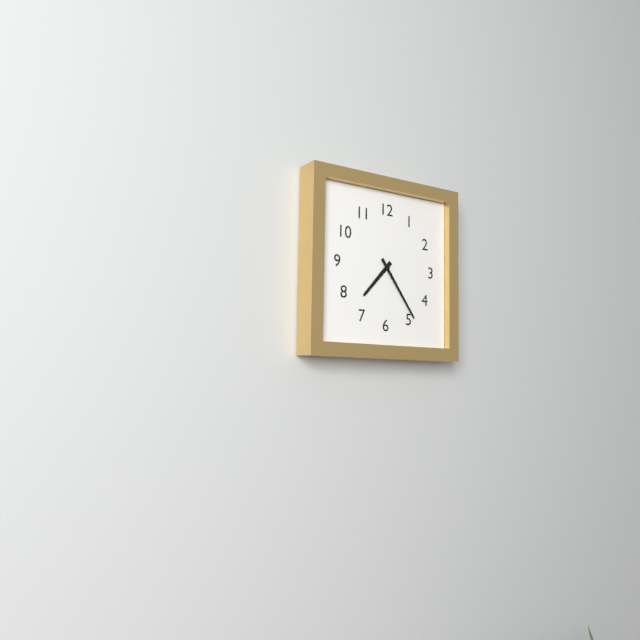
7:24
